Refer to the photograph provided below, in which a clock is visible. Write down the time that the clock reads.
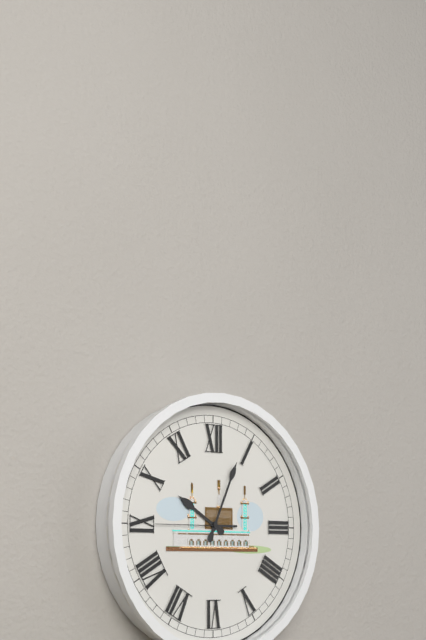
10:04:45
